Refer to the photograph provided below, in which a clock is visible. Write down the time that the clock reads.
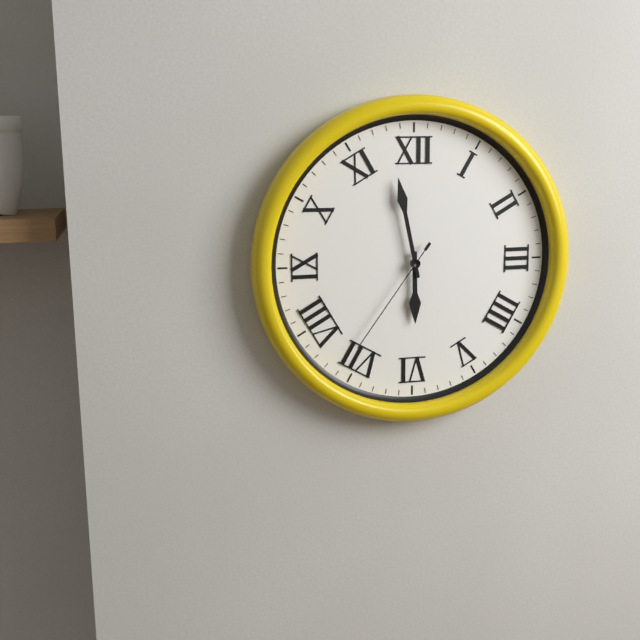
5:58:36
